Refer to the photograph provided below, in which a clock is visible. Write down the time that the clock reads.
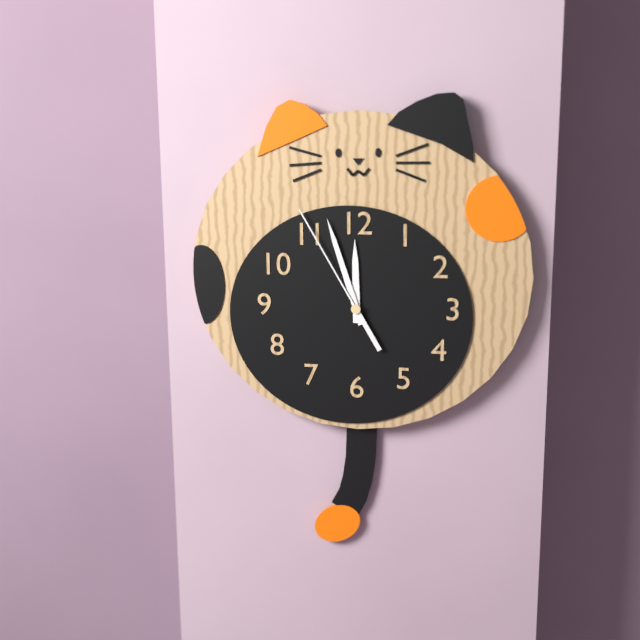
11:57:55
